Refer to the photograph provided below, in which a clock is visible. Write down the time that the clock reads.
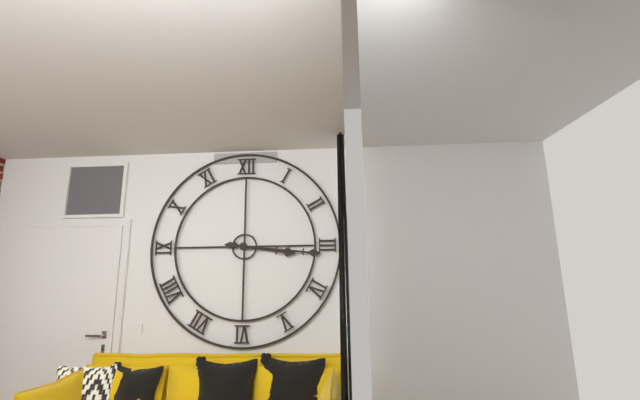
3:16
